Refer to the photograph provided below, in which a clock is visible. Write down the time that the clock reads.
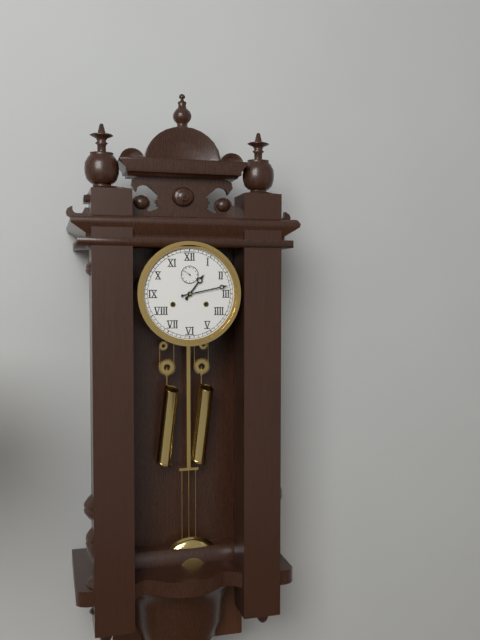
1:13
